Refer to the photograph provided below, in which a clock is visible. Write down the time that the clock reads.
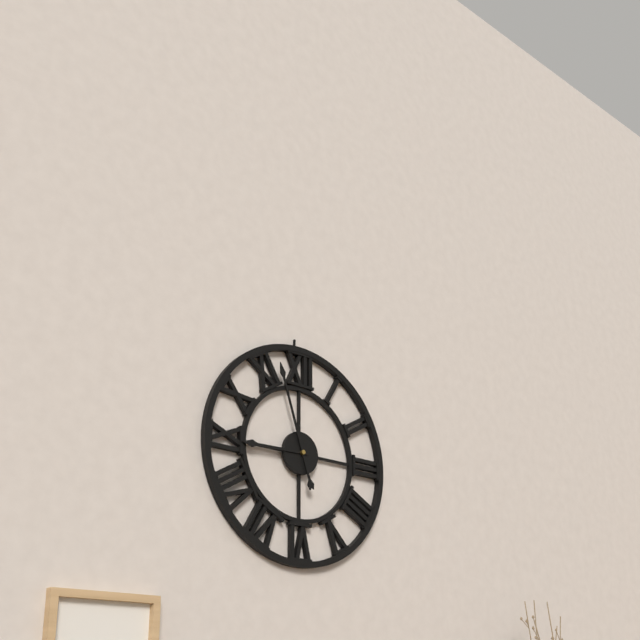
8:57
